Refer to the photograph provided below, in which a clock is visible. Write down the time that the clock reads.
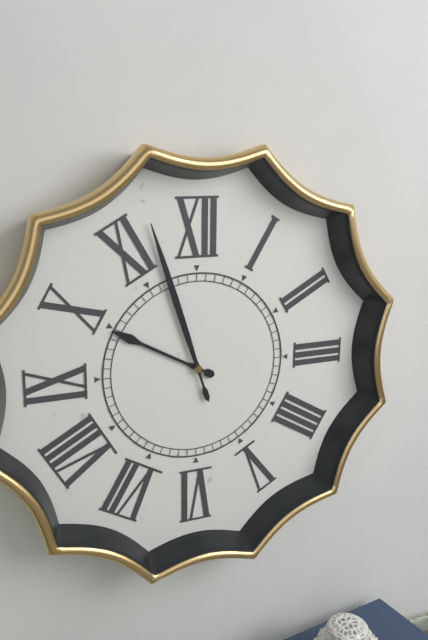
9:57
